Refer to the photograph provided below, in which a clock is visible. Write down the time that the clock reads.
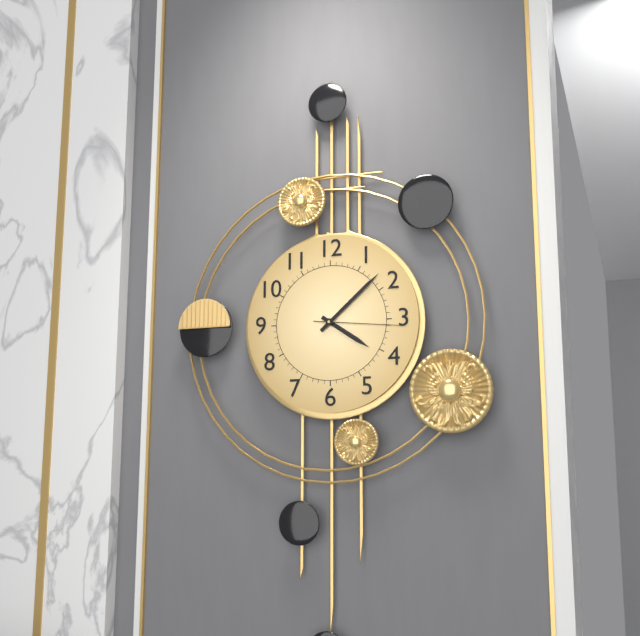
4:08:16
